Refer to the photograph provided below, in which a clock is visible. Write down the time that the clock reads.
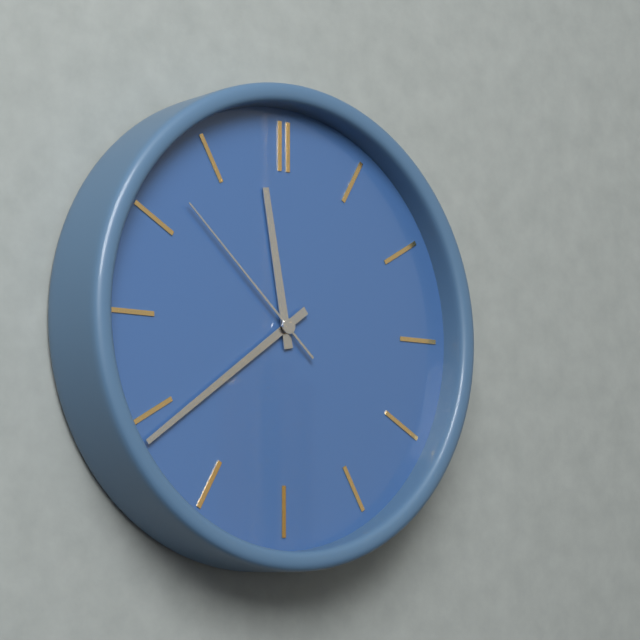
11:39:52
